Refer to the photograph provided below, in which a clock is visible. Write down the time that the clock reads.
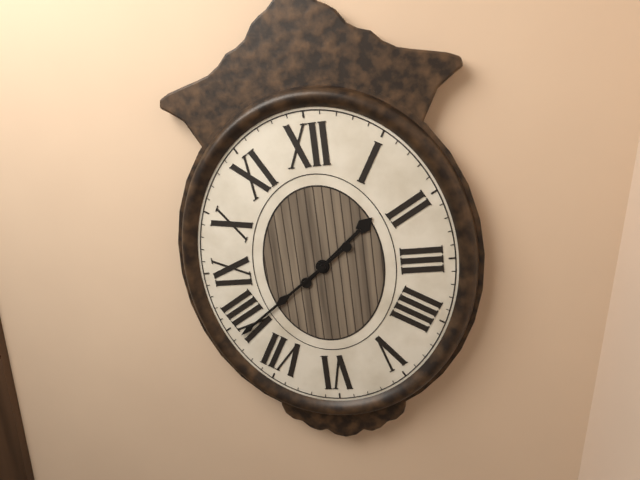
1:39
